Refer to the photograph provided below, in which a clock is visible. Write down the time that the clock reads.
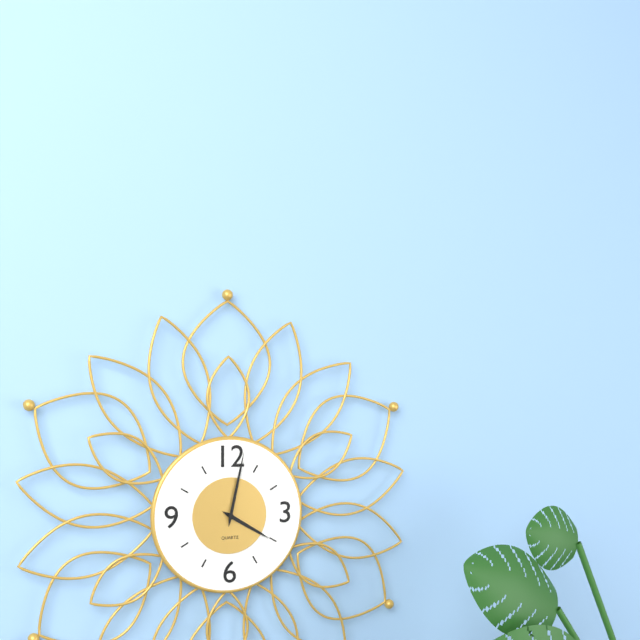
4:02
